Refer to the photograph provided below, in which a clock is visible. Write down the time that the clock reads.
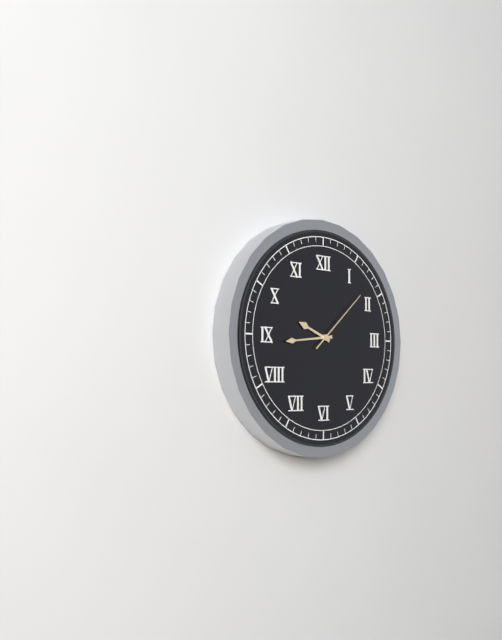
9:44:08
